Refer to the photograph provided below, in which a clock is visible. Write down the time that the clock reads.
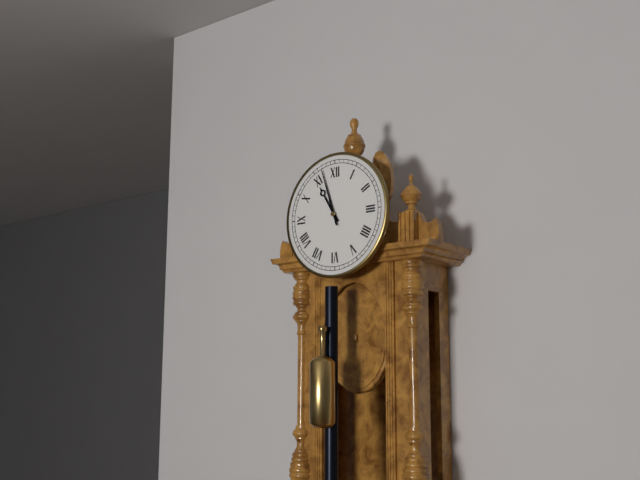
10:57
